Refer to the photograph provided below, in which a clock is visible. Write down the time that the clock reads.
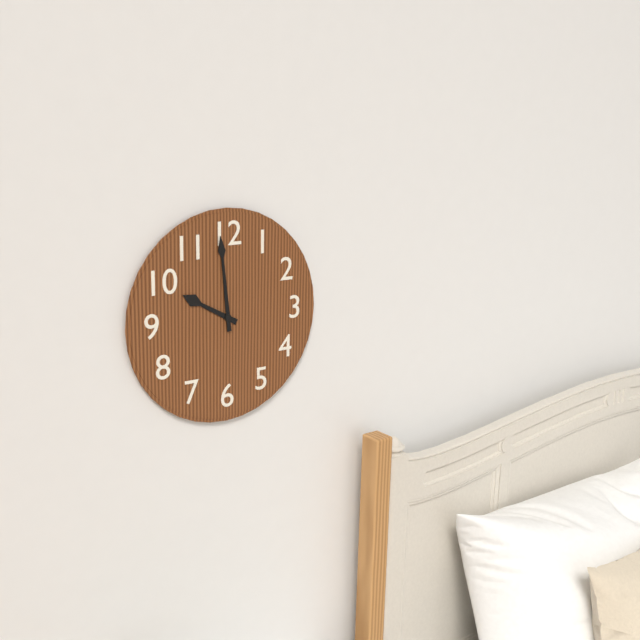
9:59
